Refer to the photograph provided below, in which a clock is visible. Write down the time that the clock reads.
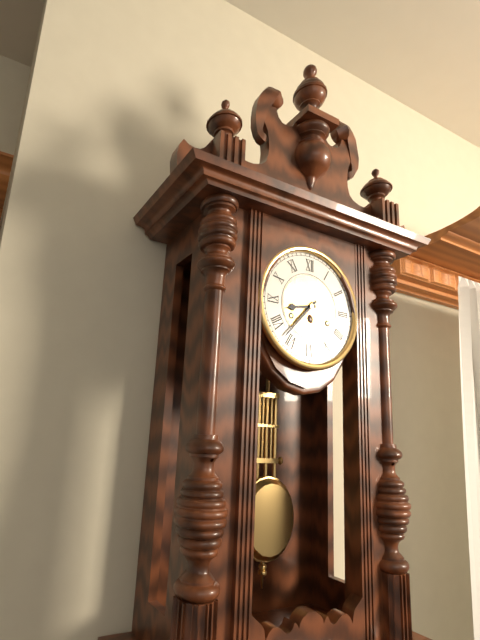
8:37
